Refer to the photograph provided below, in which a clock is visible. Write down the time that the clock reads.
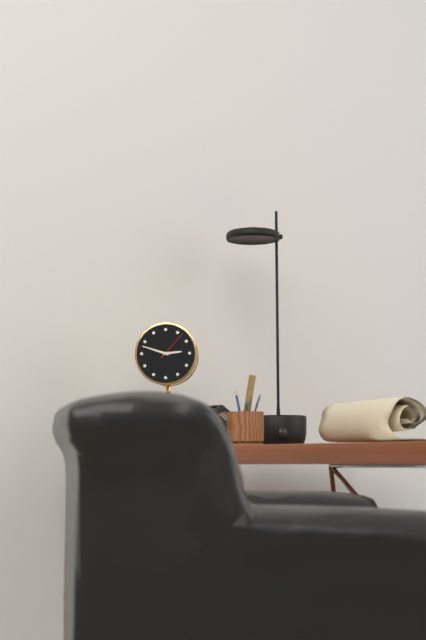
2:48
